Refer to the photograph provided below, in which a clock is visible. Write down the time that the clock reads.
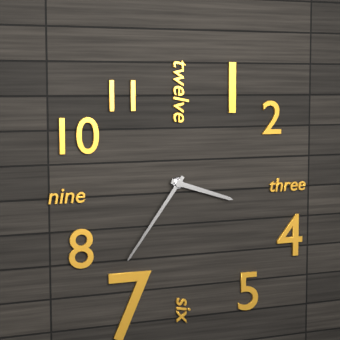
3:36
